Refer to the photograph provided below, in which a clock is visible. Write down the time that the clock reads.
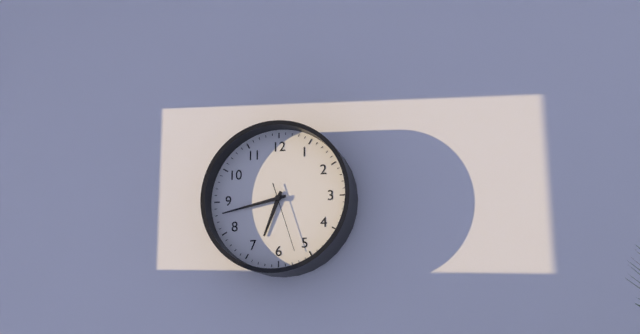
6:43:27
